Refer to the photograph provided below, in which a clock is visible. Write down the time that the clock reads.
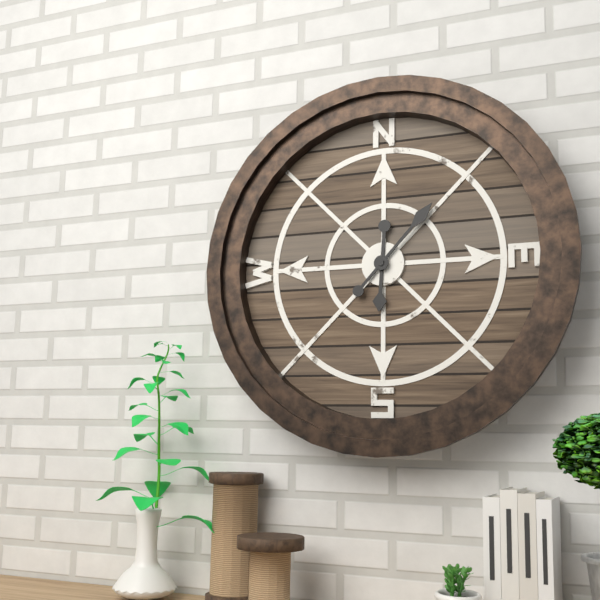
6:07
